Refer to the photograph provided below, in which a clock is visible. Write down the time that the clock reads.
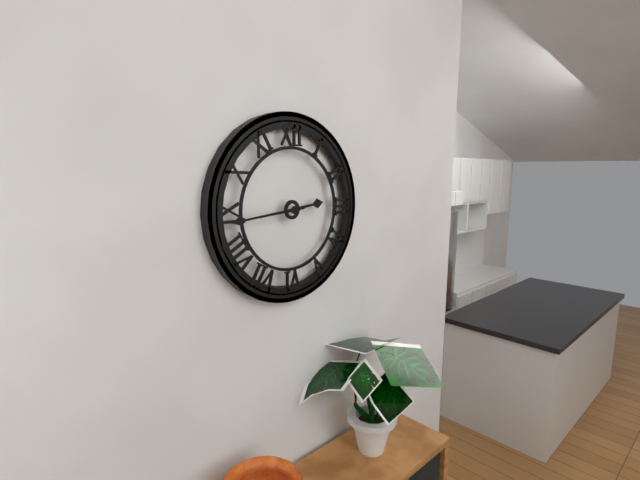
2:44
